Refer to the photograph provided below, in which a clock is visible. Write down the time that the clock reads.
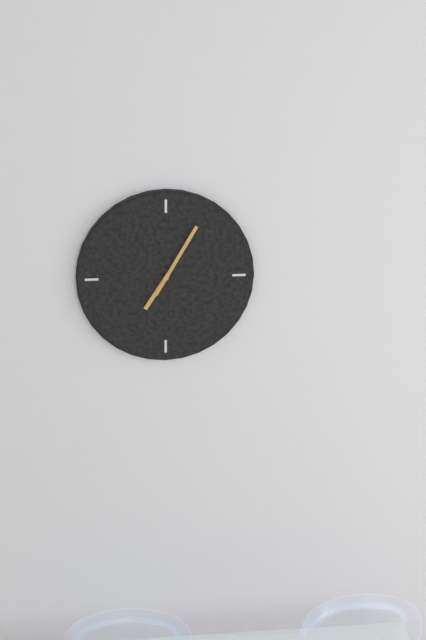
7:05
